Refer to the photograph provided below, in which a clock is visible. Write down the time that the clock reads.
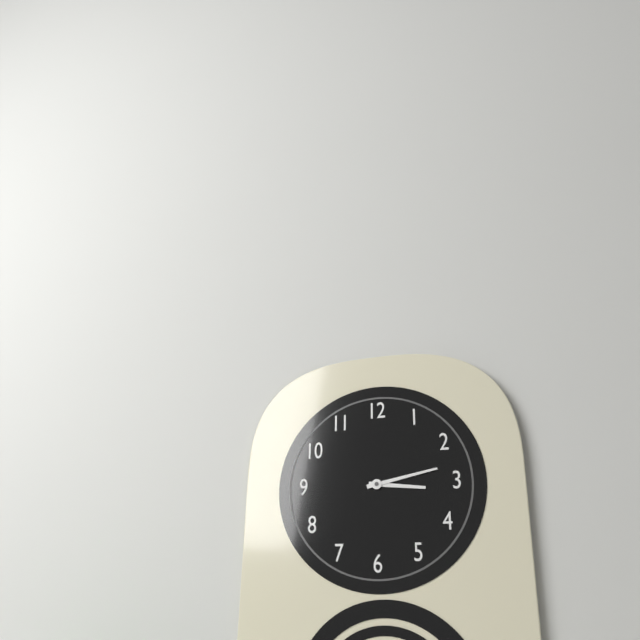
3:13
